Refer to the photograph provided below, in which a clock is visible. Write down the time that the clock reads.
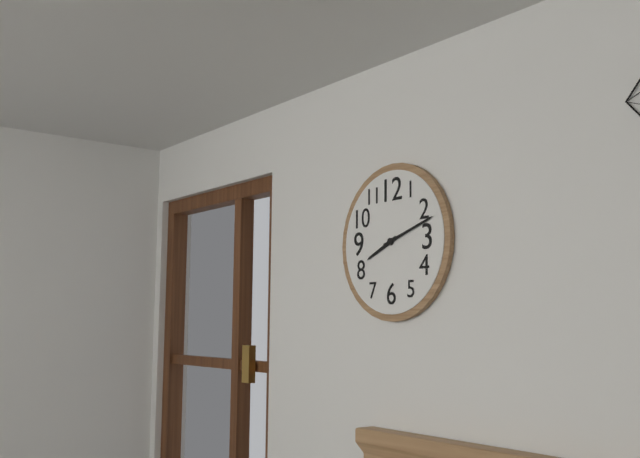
8:12
